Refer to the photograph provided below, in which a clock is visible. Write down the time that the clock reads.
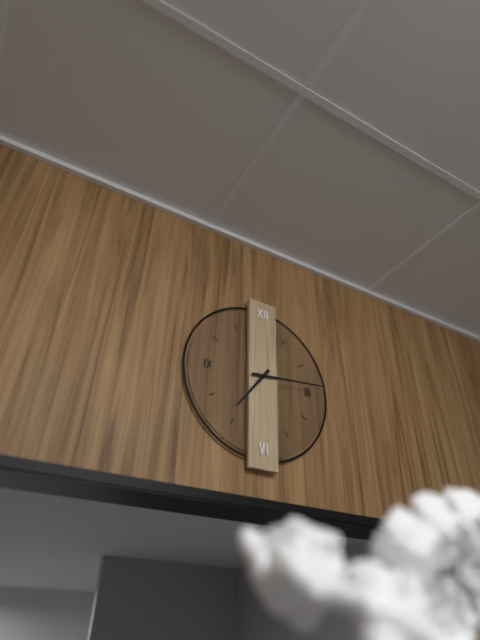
7:14
